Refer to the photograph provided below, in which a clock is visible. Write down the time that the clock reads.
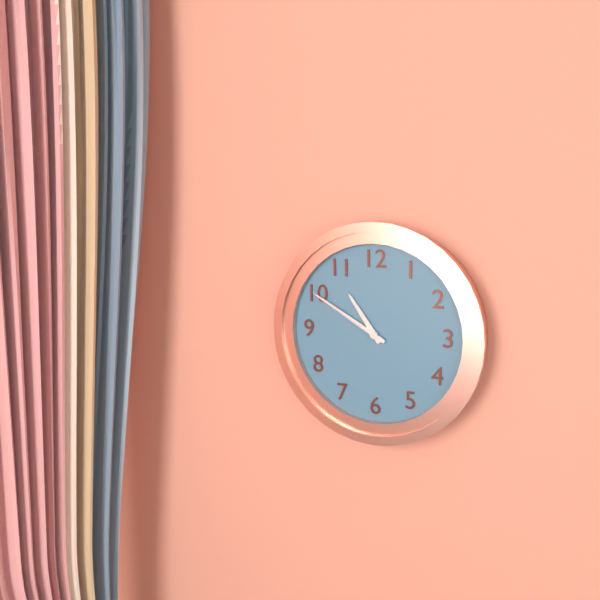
10:50
